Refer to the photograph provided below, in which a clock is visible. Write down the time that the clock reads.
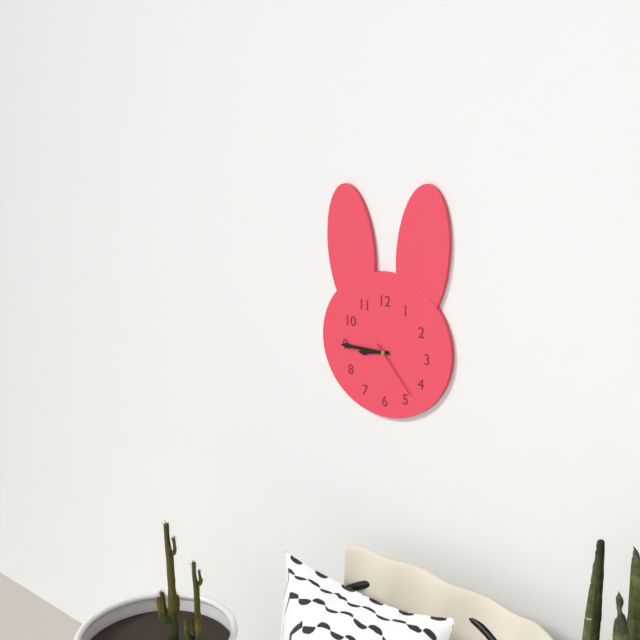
8:45:23
